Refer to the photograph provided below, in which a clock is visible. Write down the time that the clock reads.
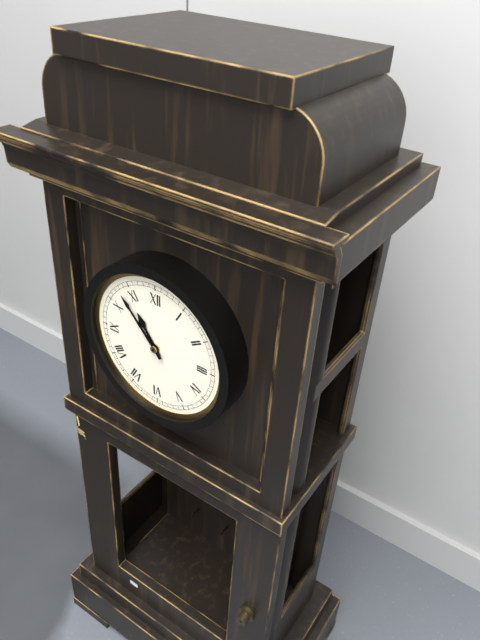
10:53
